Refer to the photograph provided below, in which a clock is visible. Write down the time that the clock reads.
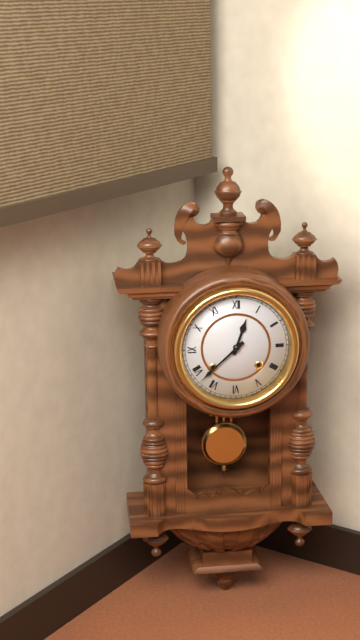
12:38
